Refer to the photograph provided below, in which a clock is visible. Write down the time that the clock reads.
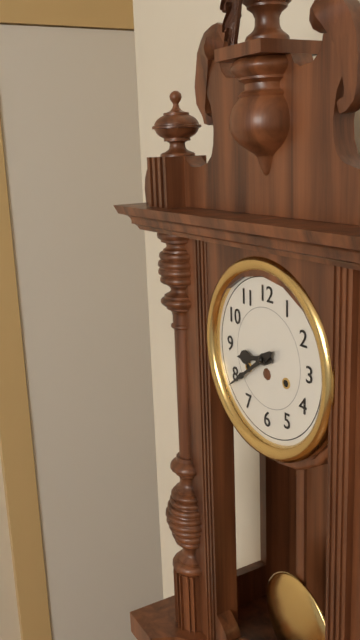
8:39
